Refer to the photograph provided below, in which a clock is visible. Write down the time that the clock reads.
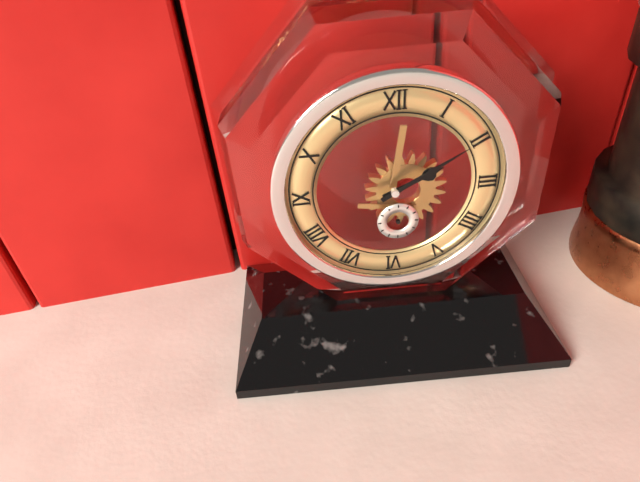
2:10
